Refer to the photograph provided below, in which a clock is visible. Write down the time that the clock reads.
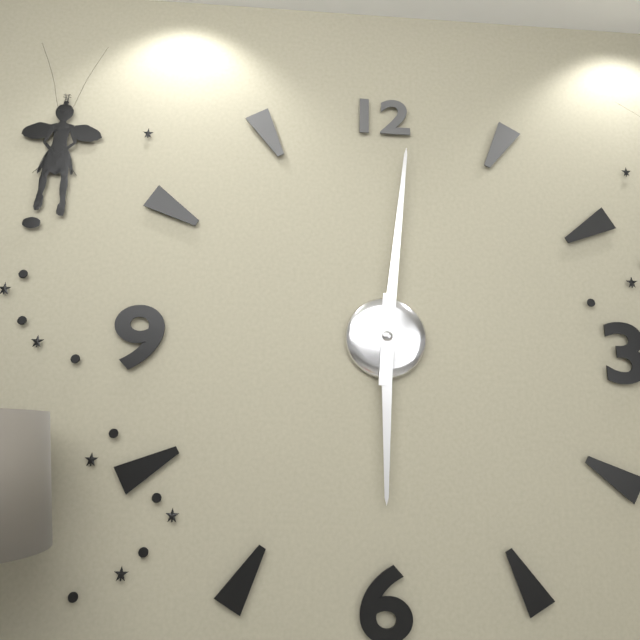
6:01
